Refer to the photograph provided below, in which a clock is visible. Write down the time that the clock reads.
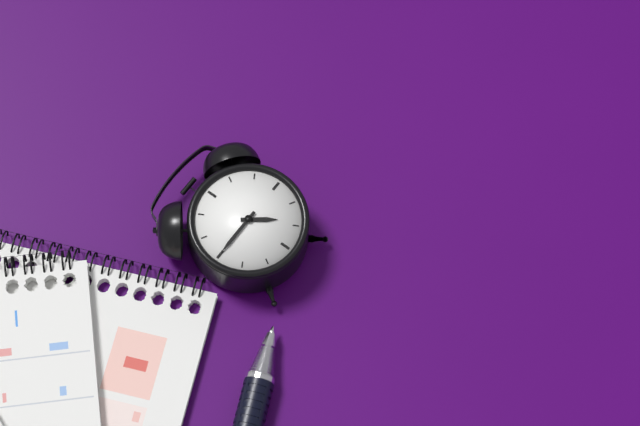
4:45
